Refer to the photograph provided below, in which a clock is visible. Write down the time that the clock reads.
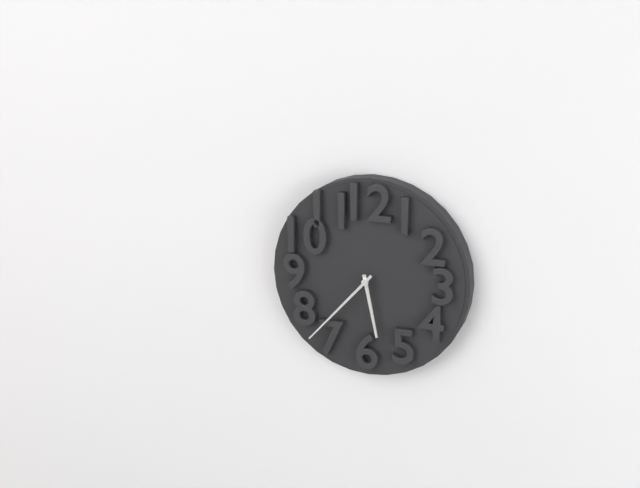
5:37
